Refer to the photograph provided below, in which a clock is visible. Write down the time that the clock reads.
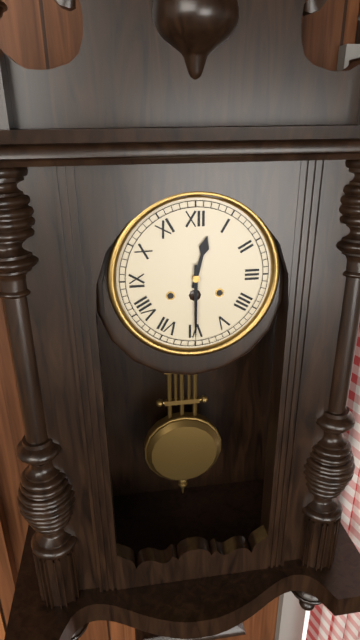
12:30
